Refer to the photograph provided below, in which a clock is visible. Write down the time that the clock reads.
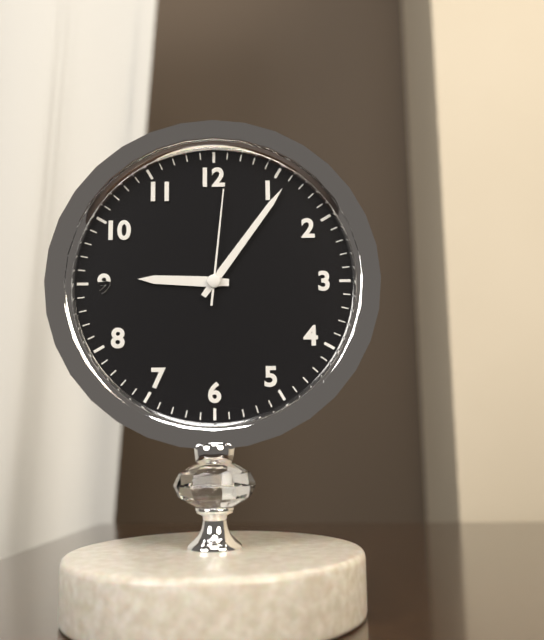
9:06:01
